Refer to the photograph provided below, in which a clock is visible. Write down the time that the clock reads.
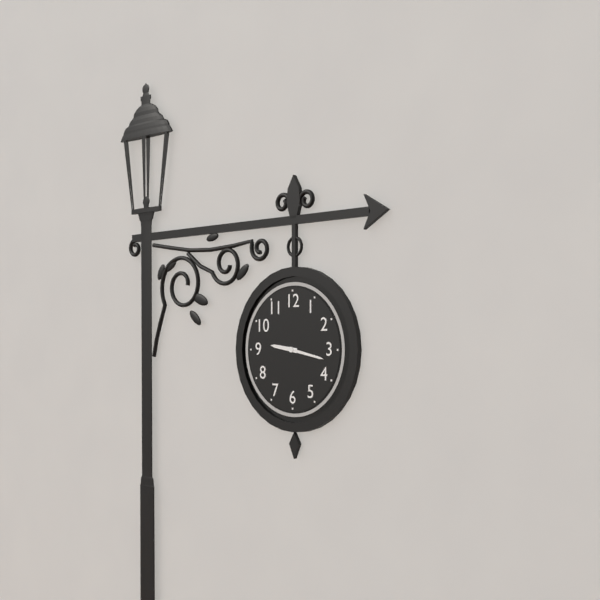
9:17
